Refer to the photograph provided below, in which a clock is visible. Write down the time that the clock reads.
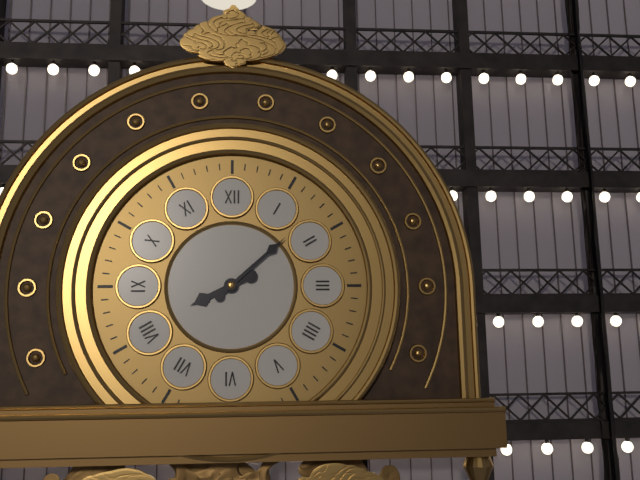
8:08
